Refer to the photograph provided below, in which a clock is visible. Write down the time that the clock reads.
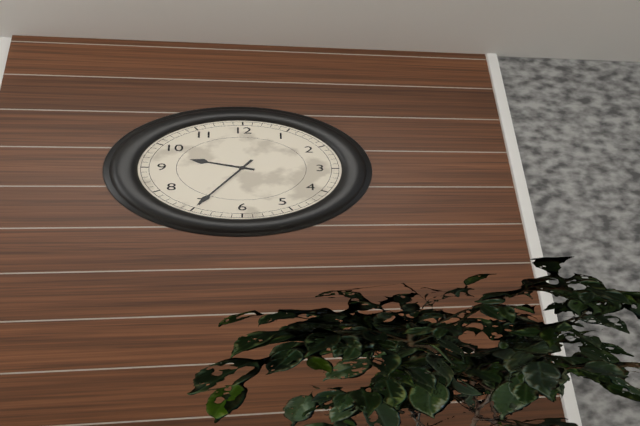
9:35
